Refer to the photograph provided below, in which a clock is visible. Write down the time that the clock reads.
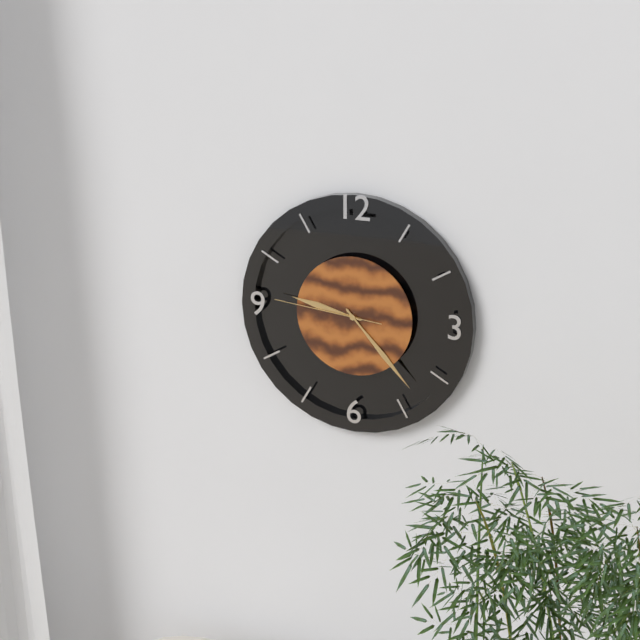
9:23:46
